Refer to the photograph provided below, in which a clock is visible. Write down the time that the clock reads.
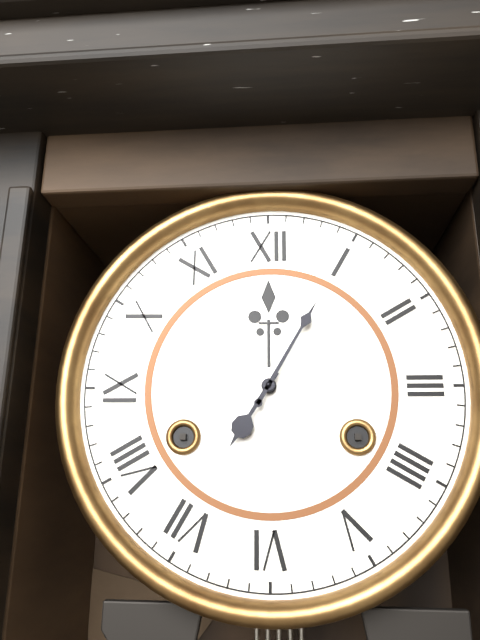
7:05
